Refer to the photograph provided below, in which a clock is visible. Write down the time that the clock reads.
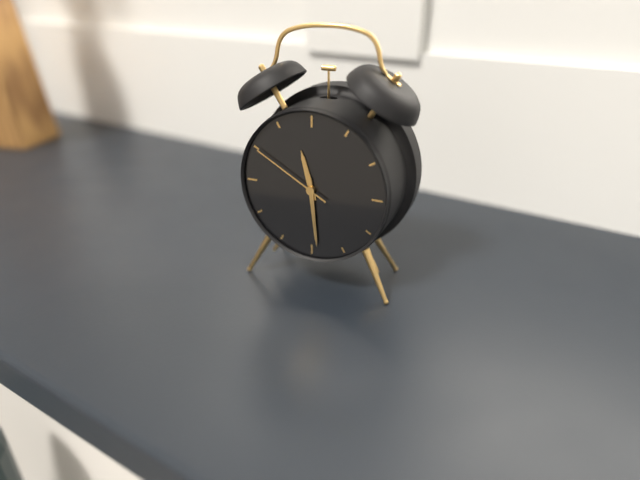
11:29:50
